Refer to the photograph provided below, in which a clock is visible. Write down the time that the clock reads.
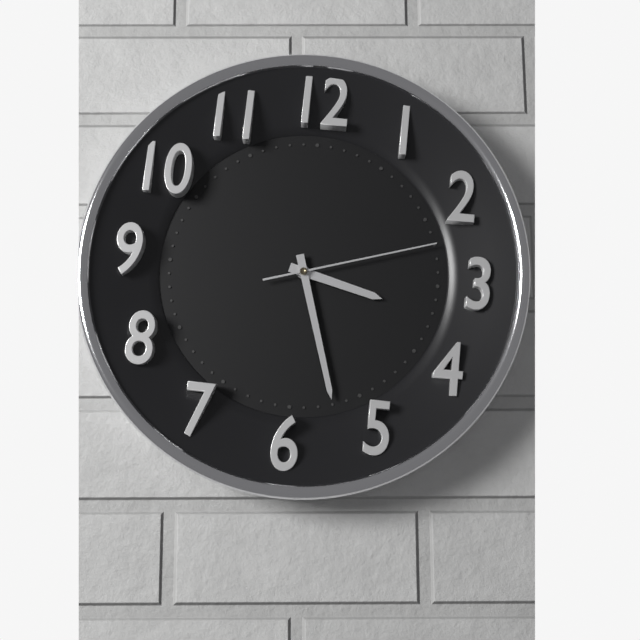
3:27:12
